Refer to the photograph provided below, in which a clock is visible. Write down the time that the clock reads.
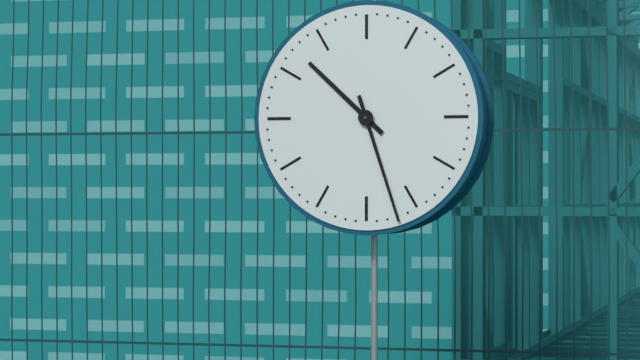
10:27
